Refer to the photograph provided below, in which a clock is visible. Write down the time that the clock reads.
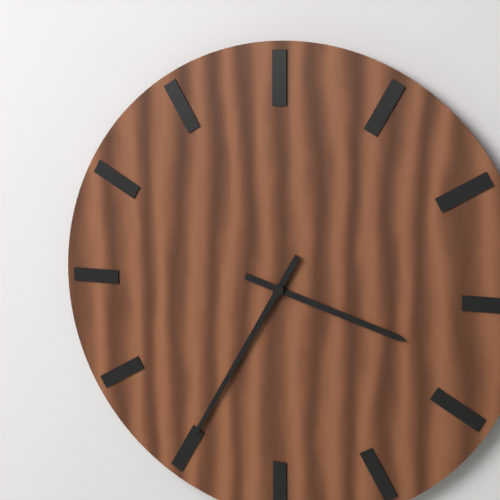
3:35
